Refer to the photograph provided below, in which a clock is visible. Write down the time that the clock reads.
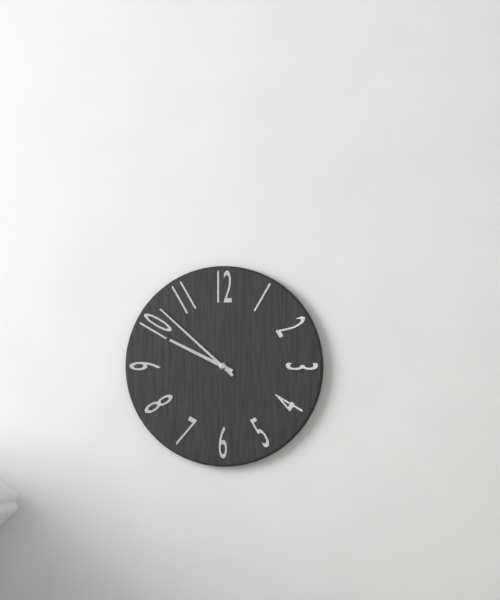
9:52
